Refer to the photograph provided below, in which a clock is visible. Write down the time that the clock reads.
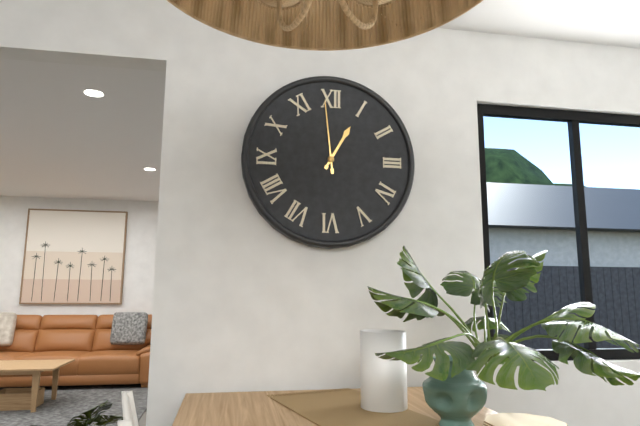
12:59
